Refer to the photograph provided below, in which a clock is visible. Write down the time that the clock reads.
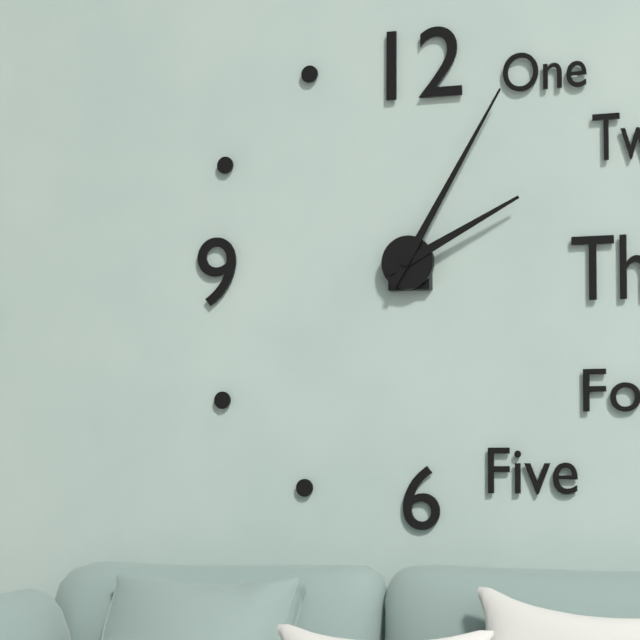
2:05
